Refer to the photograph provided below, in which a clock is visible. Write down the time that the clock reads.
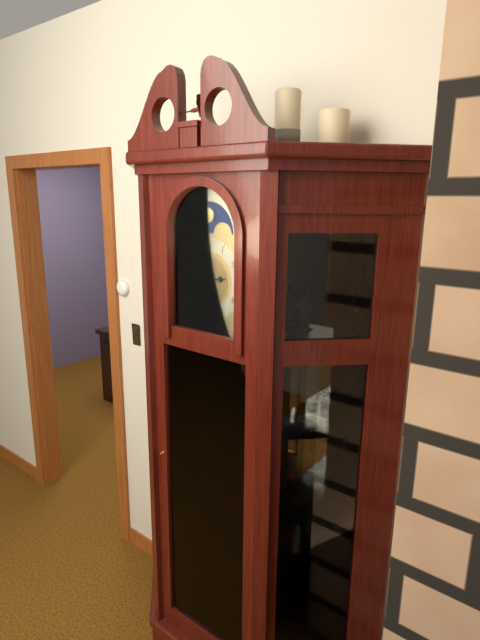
2:46
